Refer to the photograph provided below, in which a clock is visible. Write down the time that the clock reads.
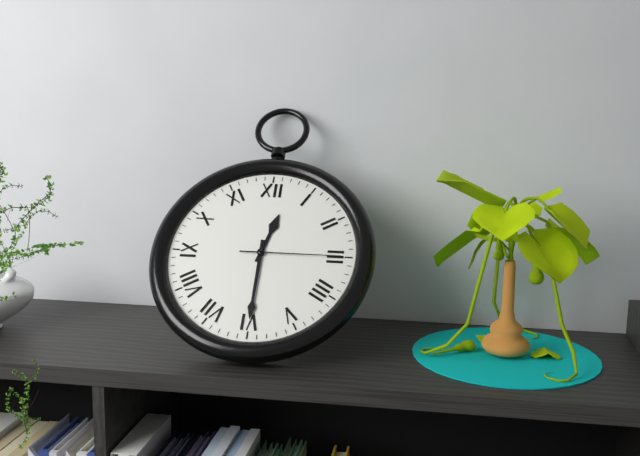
12:30:15
